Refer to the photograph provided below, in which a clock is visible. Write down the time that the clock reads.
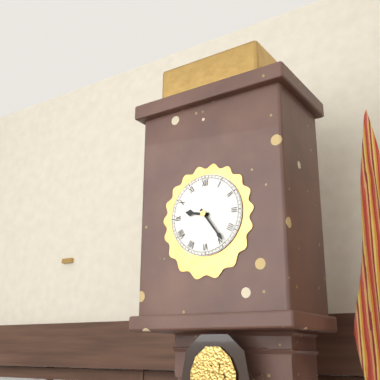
9:24
